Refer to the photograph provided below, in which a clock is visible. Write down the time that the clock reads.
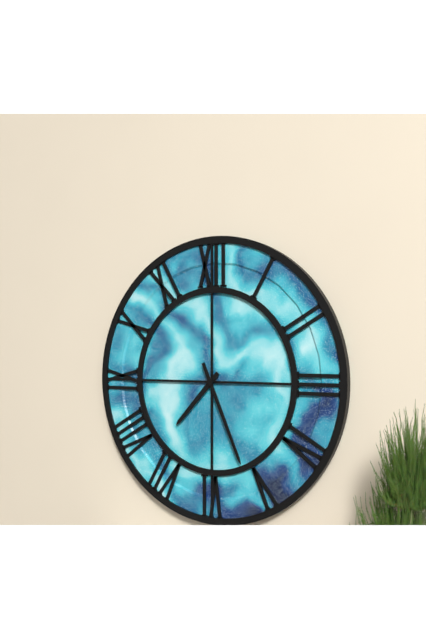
7:26
